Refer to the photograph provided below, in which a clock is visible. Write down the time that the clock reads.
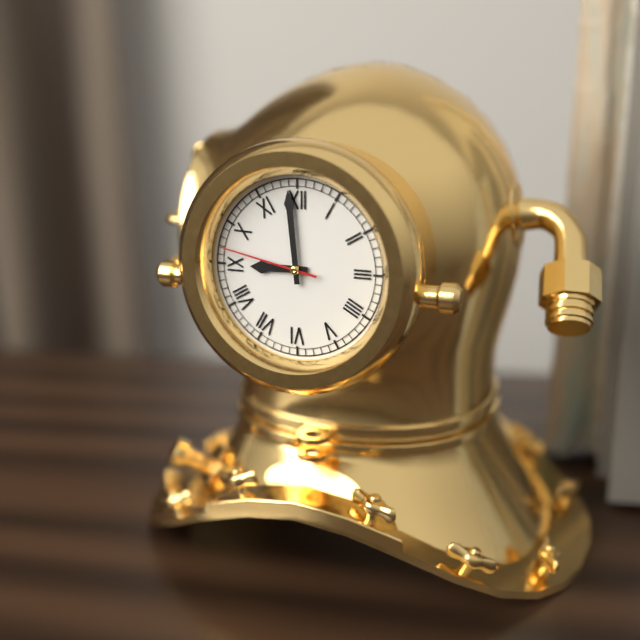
8:59:47
